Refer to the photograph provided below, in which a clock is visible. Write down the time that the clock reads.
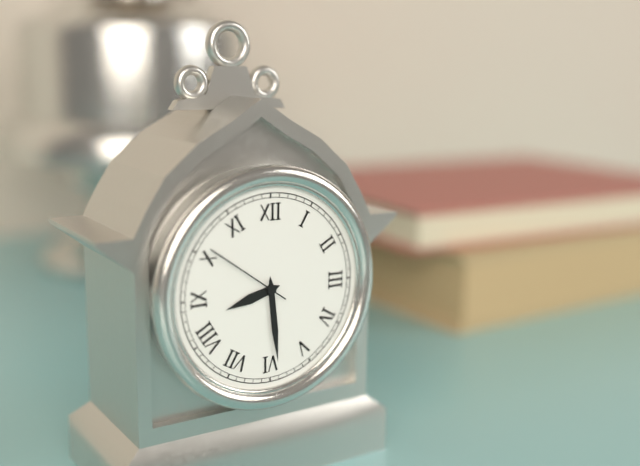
8:29:51
